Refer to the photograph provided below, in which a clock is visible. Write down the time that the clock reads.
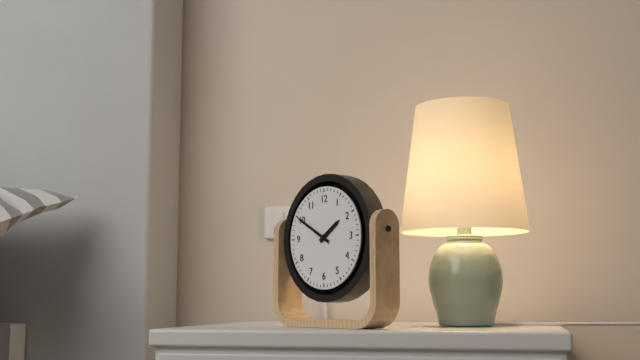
1:50
